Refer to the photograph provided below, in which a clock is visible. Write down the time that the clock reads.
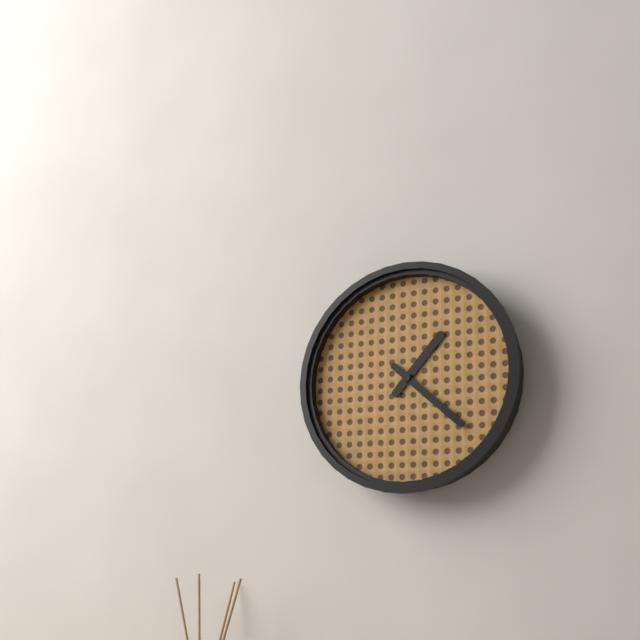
1:22
